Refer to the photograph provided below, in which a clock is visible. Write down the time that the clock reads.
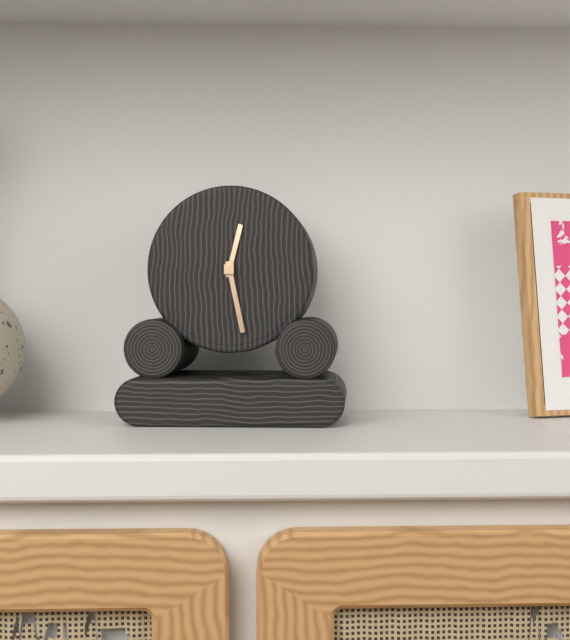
12:28
